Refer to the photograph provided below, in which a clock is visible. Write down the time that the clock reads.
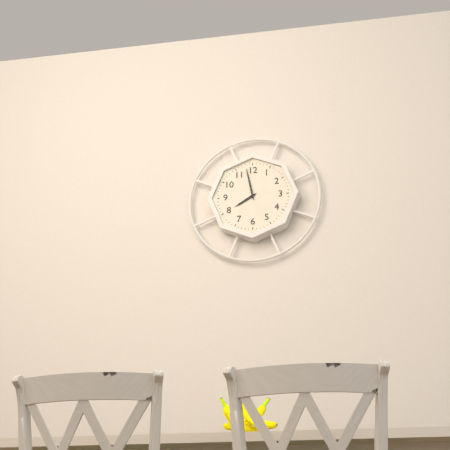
7:58
